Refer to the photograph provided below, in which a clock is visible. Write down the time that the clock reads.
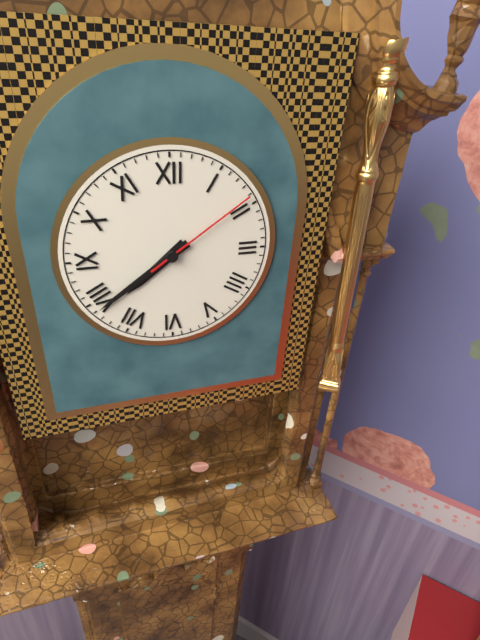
7:39:09
